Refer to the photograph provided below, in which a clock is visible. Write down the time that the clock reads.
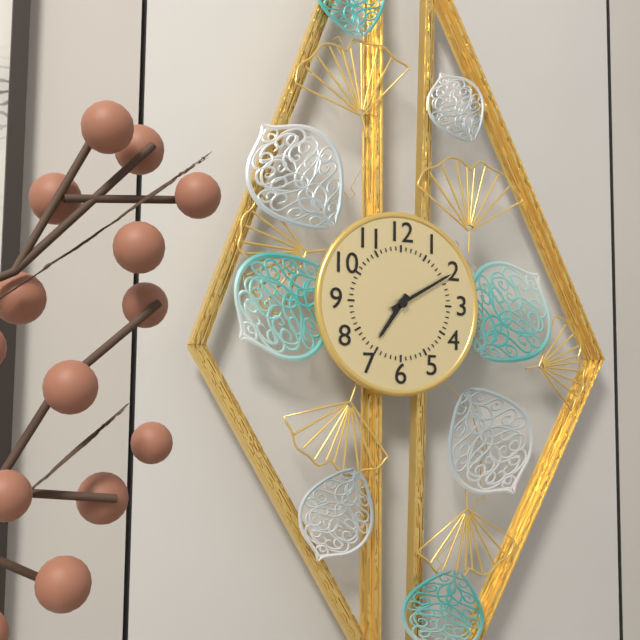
7:10
